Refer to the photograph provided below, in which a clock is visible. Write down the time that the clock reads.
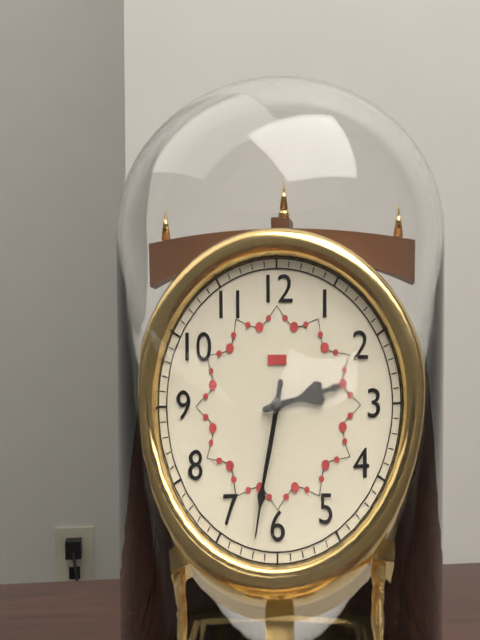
2:32
